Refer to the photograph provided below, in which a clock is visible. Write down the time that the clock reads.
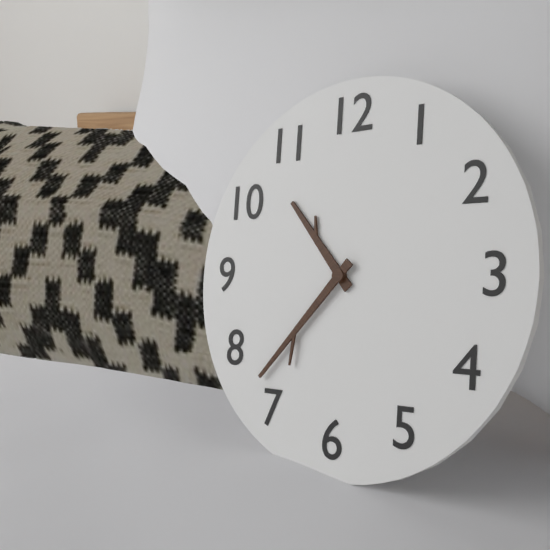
10:37
